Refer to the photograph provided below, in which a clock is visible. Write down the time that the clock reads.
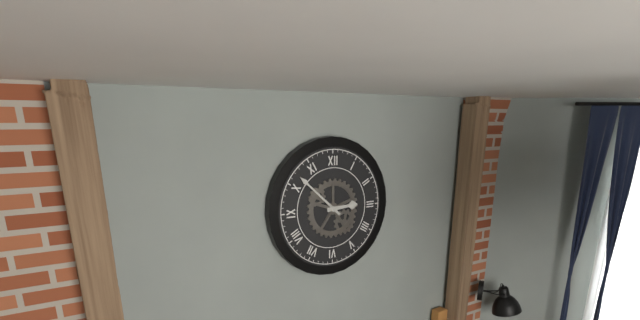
2:52
